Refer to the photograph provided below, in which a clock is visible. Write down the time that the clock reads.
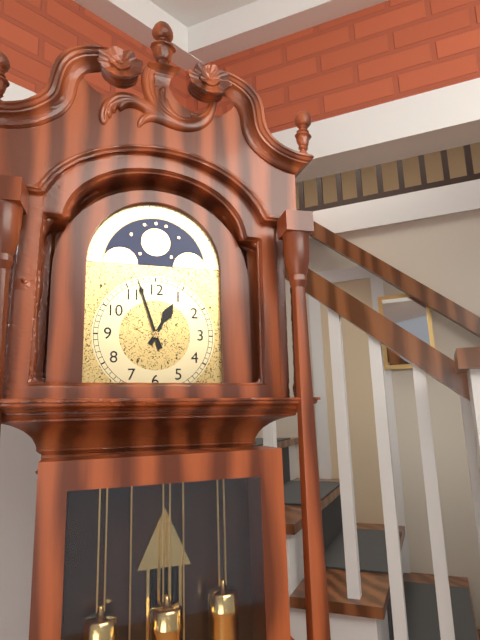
12:57
